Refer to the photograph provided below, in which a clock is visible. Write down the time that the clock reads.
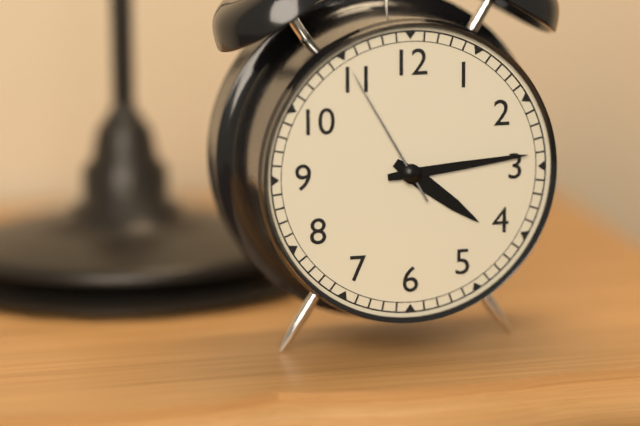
4:14:55
